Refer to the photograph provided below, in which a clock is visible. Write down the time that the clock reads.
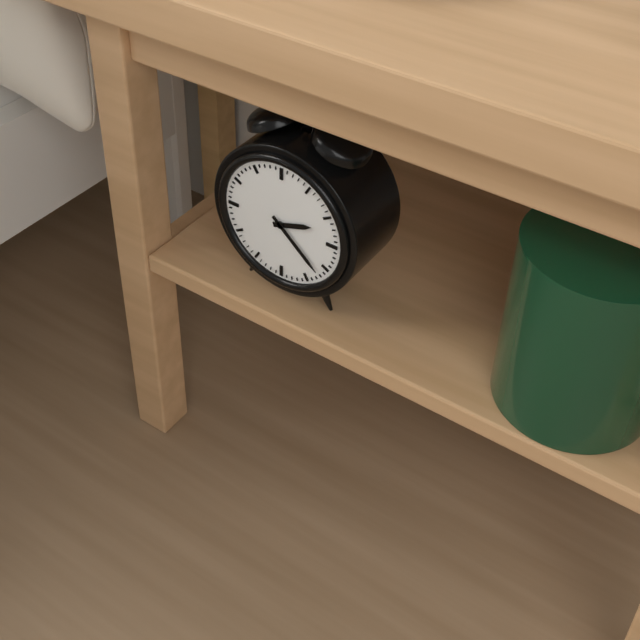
2:22
